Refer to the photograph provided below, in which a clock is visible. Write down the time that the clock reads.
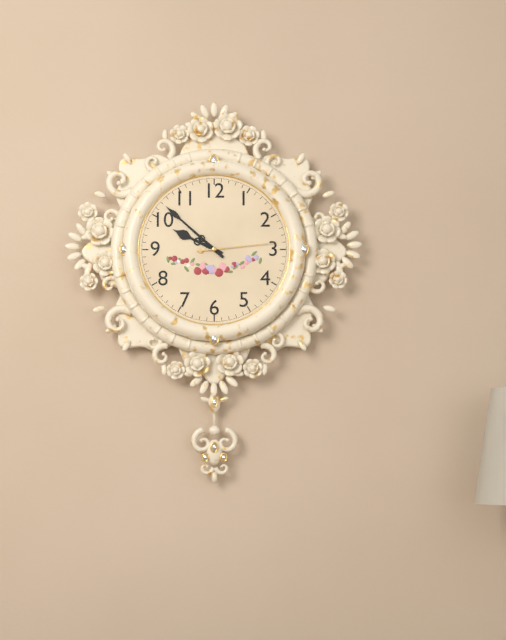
9:52:14
